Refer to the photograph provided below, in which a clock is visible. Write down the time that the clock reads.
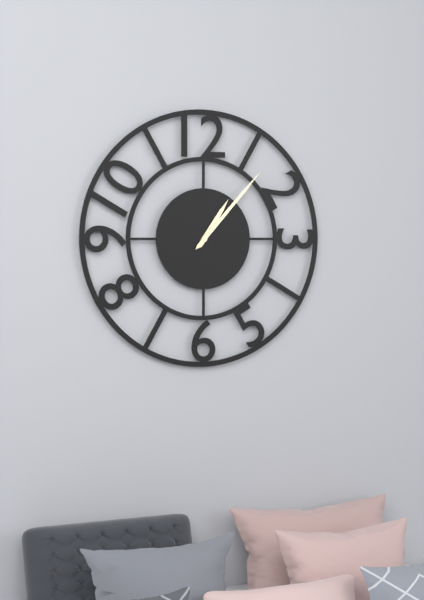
1:07
